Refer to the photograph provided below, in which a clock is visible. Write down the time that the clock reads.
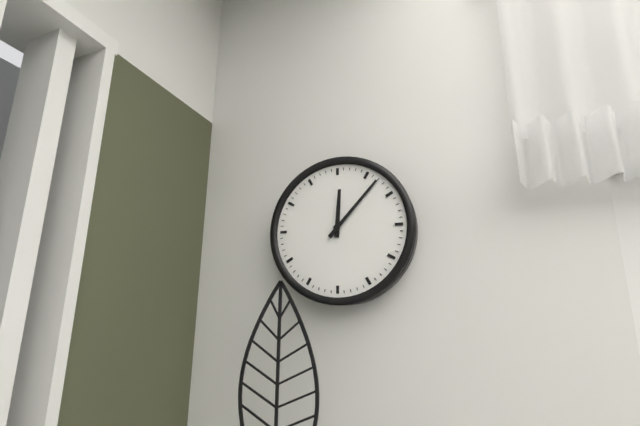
12:07
